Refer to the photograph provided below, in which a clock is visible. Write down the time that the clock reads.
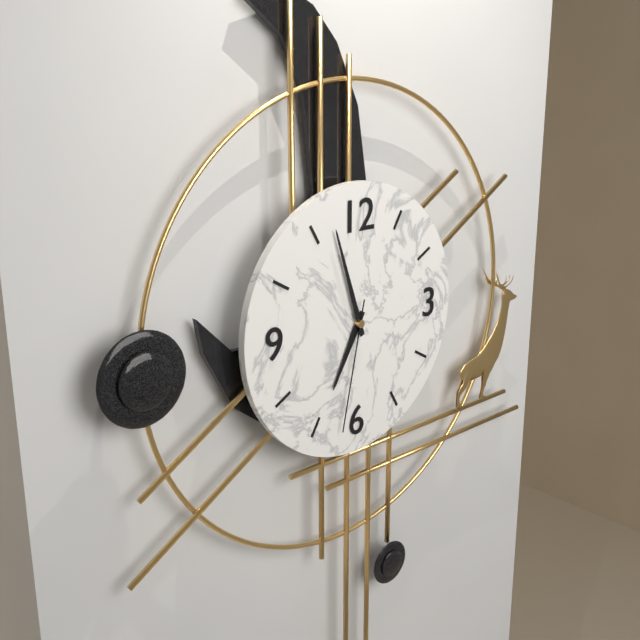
6:57:32
